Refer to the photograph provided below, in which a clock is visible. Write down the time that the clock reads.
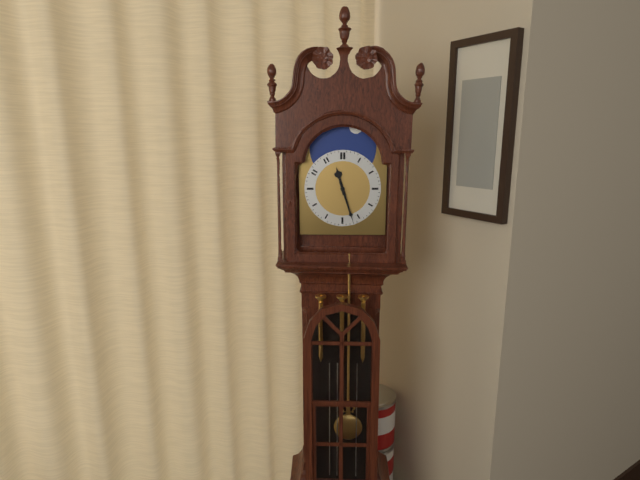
11:27
